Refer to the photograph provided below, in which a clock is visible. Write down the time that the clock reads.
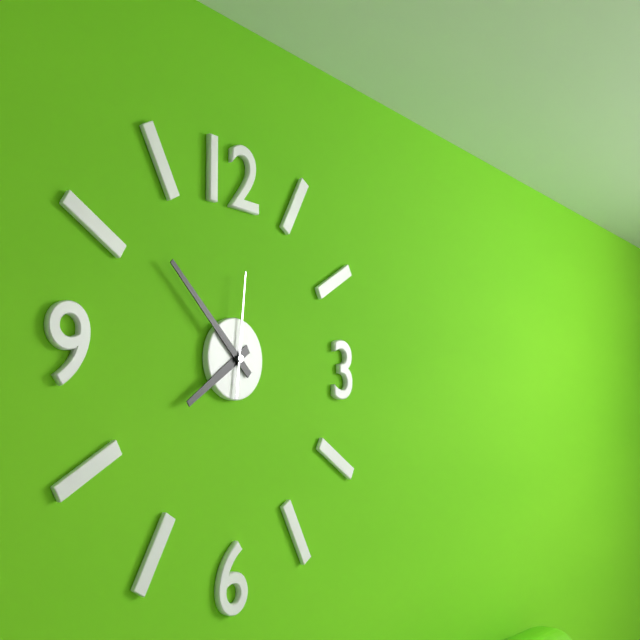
7:52:01
